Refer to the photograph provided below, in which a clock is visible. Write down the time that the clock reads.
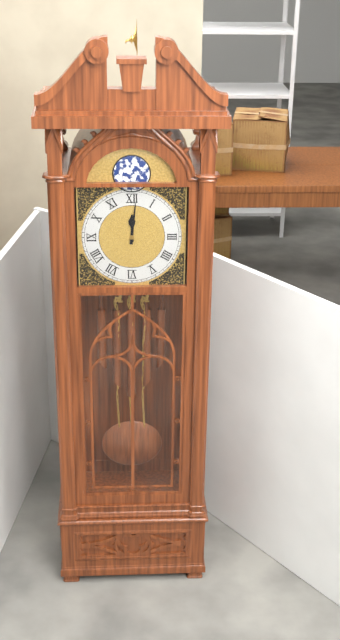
12:01
